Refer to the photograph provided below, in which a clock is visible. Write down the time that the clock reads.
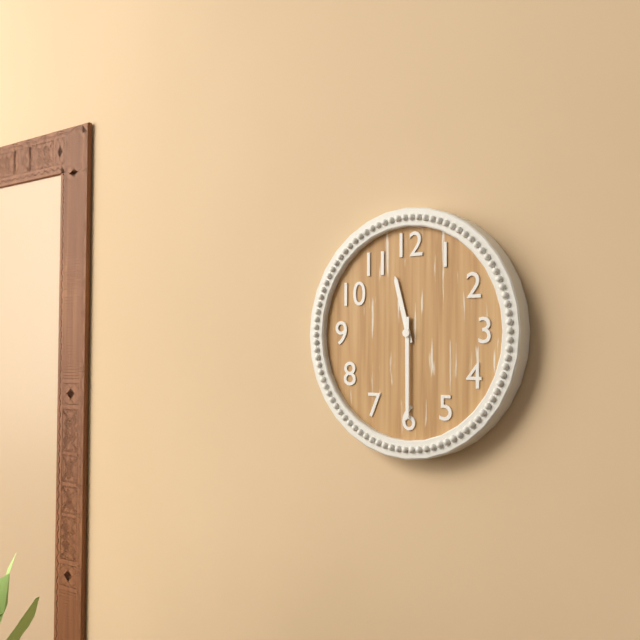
11:30
